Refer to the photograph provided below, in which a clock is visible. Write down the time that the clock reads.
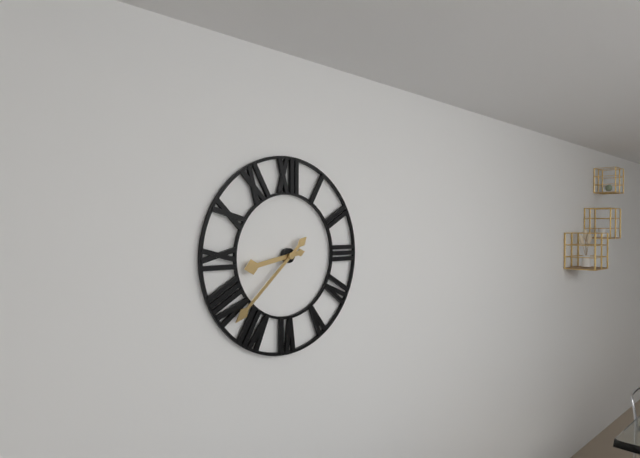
8:38
